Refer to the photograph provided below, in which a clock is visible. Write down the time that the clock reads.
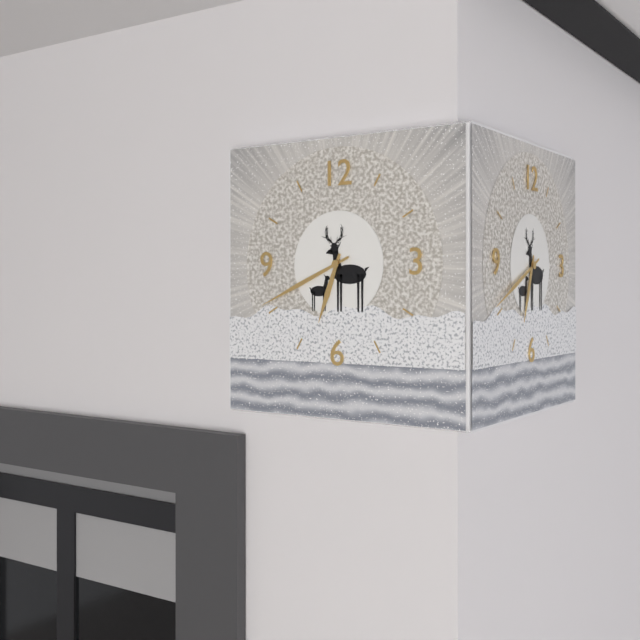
6:41
